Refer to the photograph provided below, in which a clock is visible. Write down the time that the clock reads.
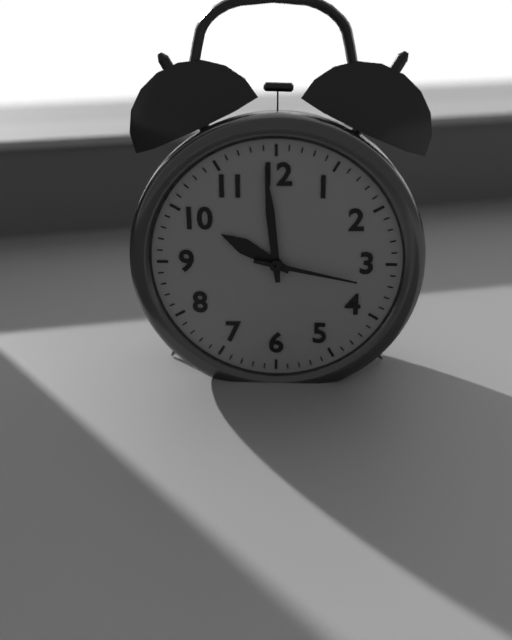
9:59:17
